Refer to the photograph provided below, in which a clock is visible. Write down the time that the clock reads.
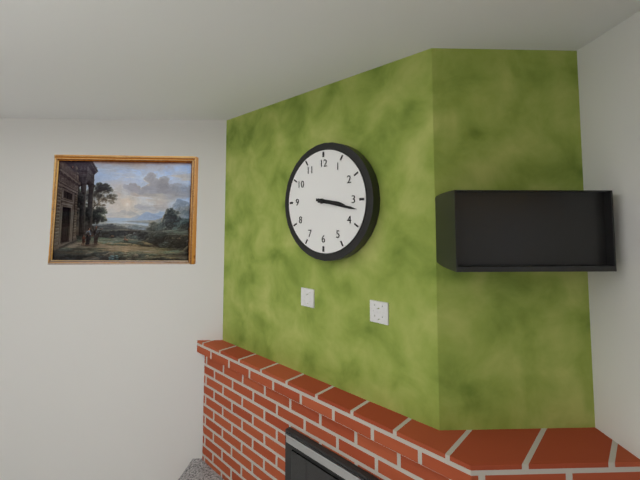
3:17
